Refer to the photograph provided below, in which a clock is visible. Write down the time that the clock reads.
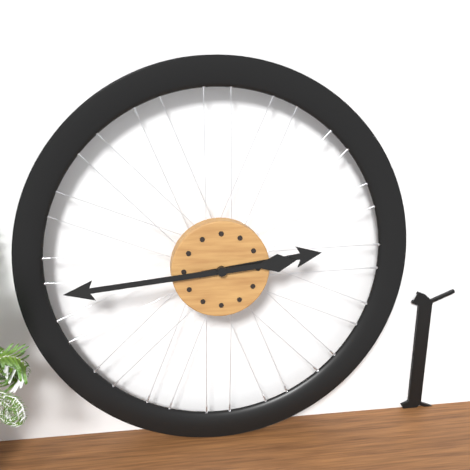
2:44
